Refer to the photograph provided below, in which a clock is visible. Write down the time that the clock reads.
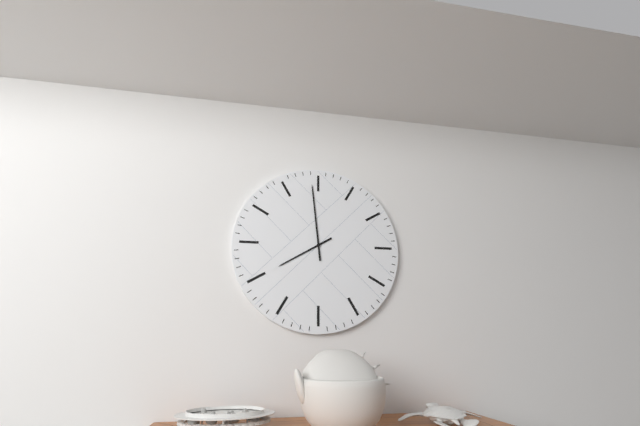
7:59
